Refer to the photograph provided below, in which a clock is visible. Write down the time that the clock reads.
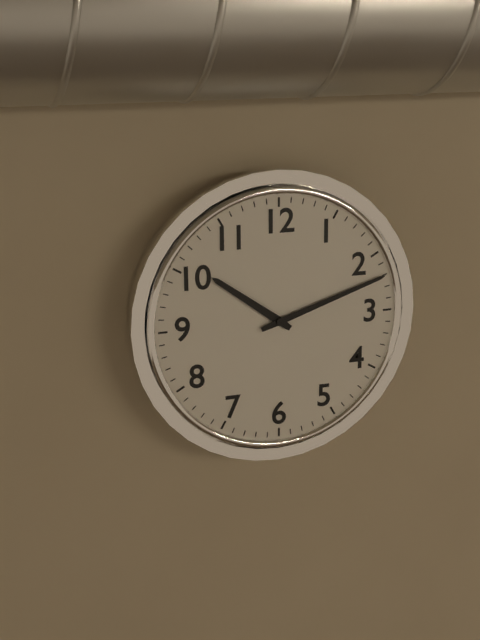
10:12
